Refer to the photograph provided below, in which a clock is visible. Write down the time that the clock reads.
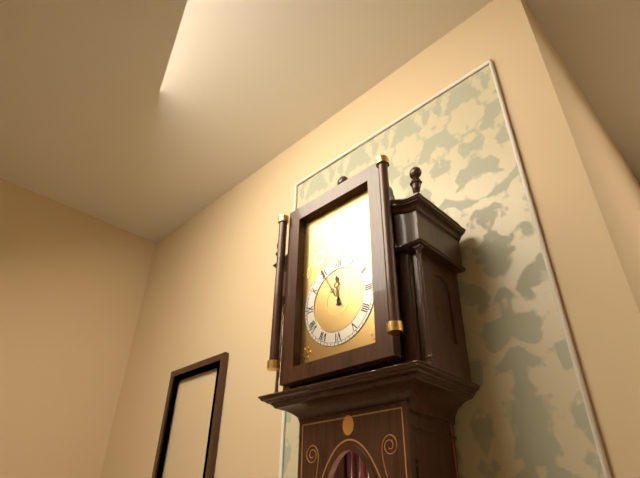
11:55
